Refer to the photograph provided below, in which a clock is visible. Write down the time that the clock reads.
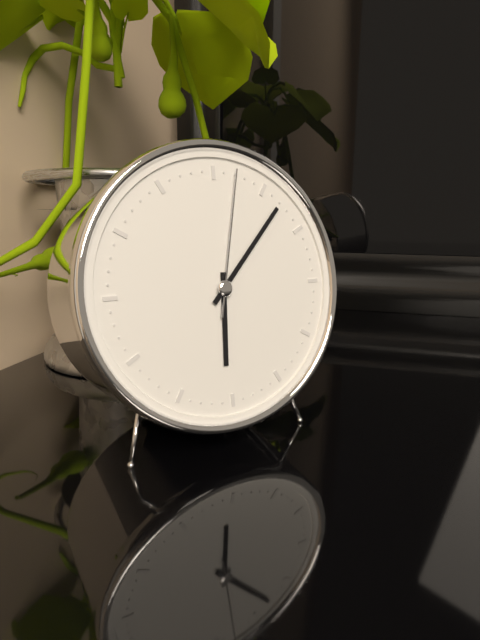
6:07:02
